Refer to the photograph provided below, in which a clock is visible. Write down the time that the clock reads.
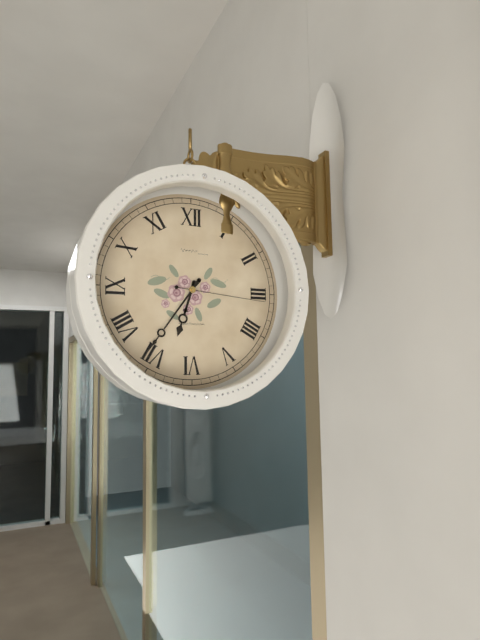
6:36:16
